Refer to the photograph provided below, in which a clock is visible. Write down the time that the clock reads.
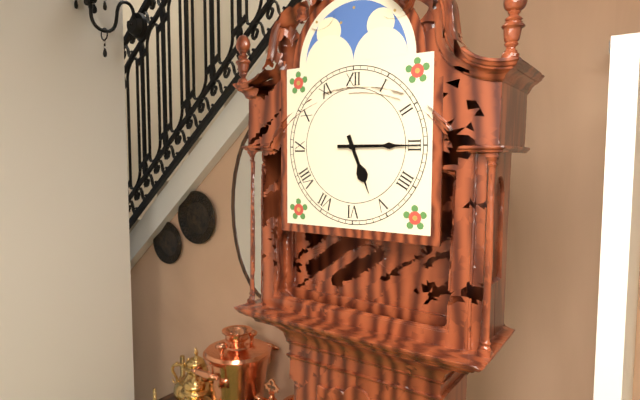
5:15
